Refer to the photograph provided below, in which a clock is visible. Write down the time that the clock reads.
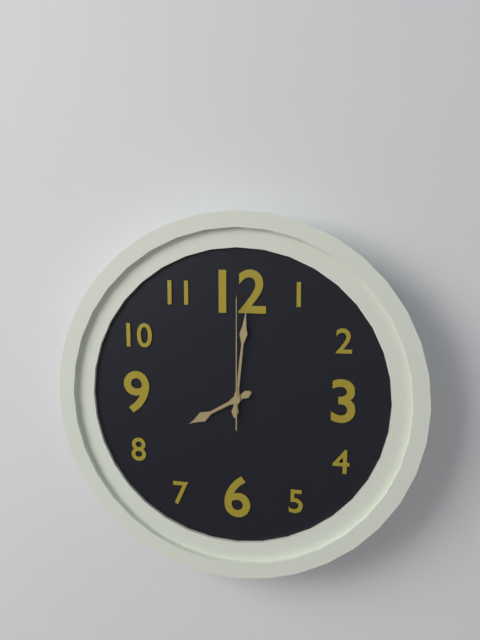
8:01:00
